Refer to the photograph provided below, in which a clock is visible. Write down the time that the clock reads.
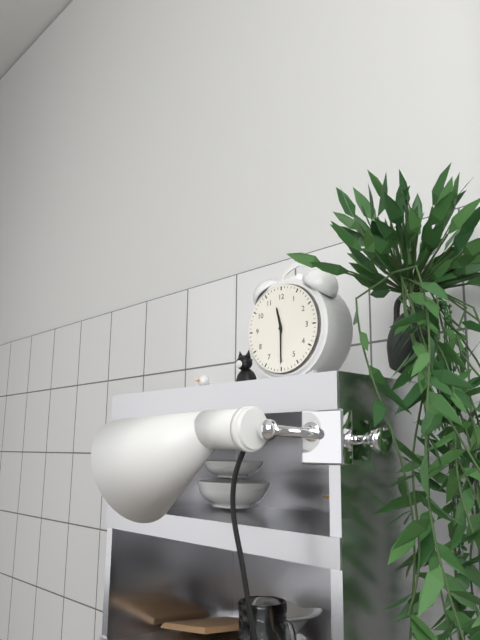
11:30
